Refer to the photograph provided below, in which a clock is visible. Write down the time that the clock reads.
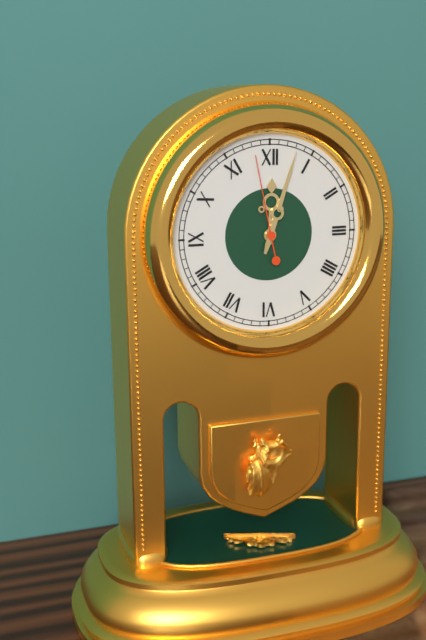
12:03:58
